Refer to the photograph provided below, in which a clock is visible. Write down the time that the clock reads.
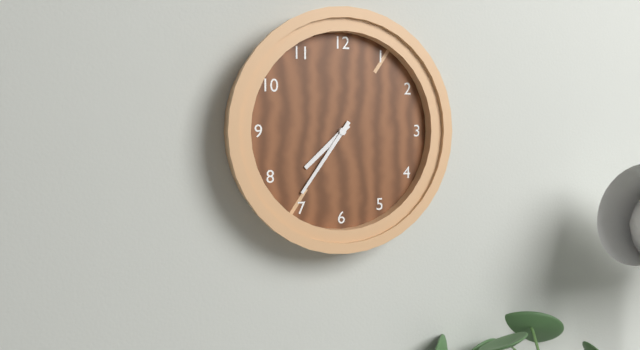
7:36
